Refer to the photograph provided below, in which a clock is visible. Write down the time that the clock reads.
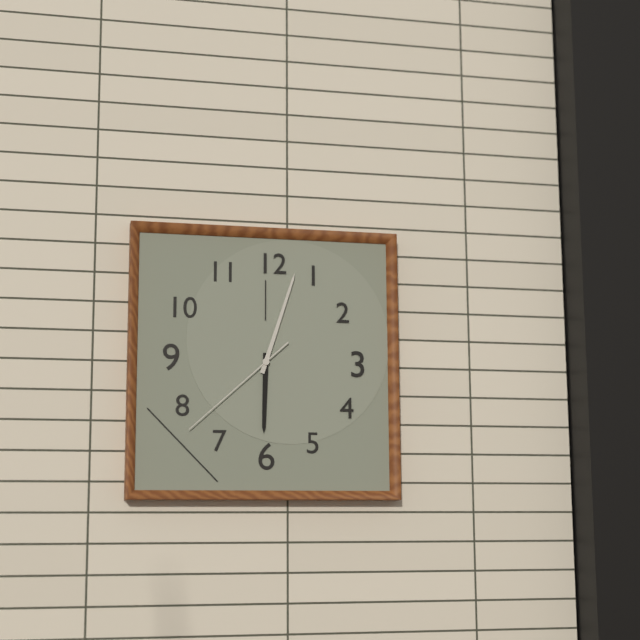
6:03:38
